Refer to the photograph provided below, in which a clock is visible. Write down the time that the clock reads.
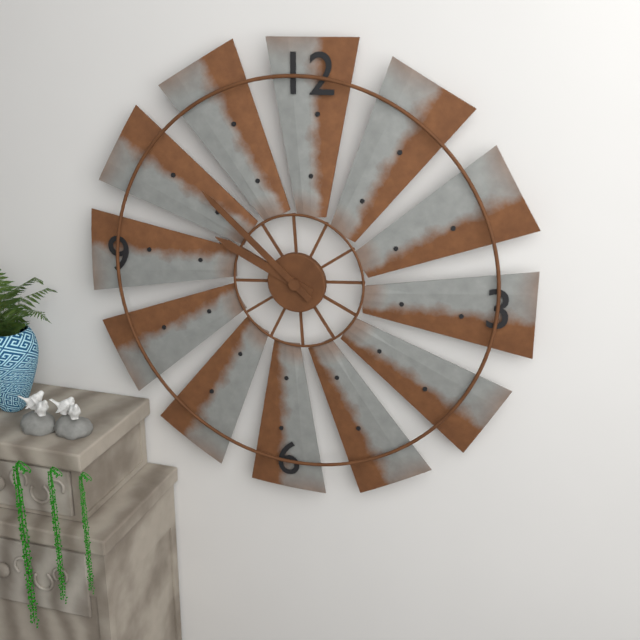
9:52
